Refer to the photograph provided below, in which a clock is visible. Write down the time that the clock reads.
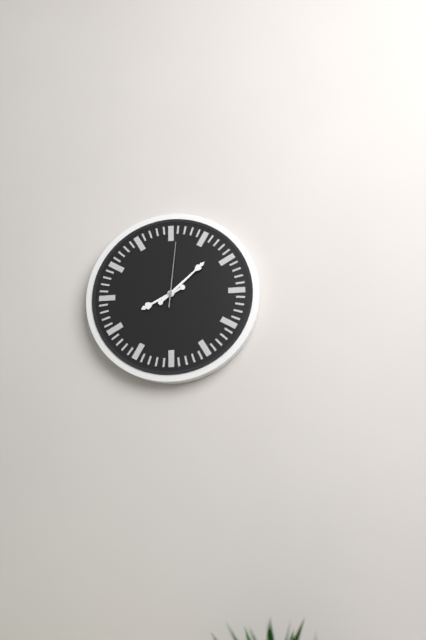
8:08:01
